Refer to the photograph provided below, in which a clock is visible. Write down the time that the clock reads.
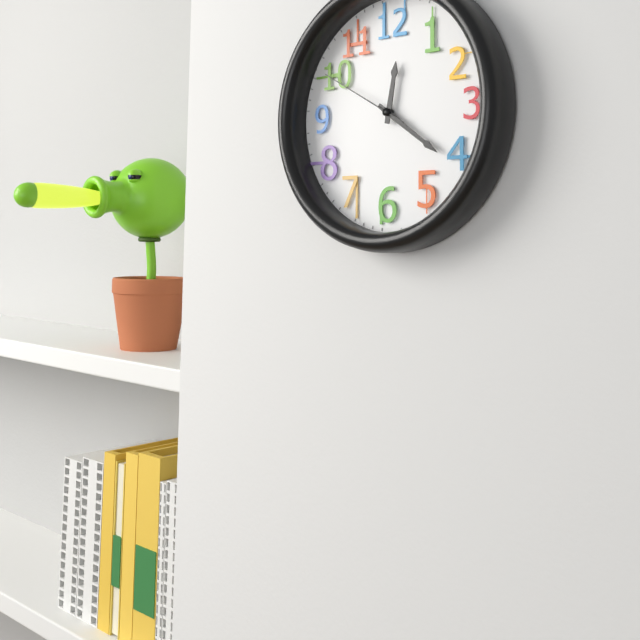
12:21:50
